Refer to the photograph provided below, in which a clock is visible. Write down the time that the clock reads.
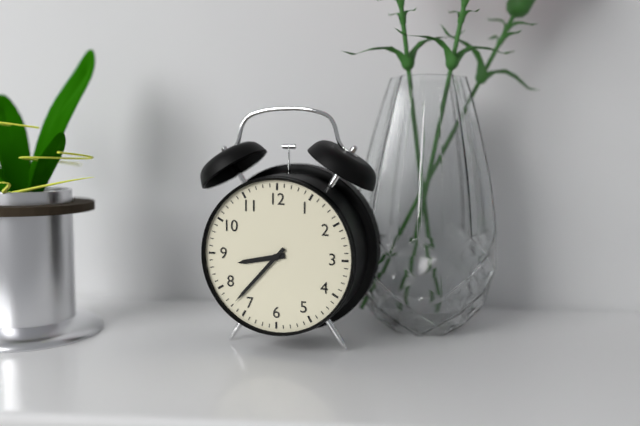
8:37
